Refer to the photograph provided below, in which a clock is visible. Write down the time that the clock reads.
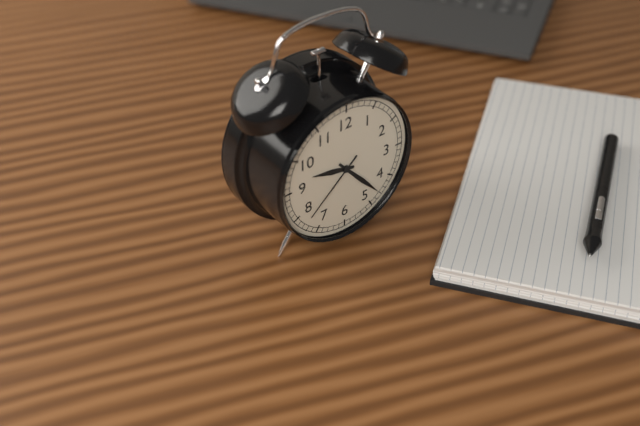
9:23:38
